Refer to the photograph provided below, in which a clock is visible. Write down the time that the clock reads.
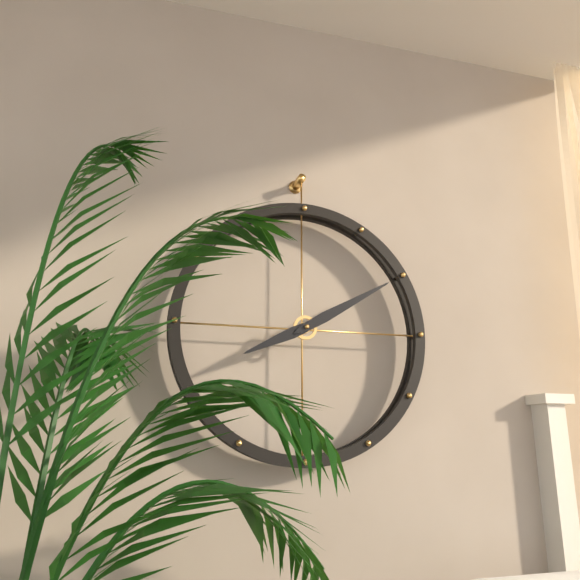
8:10
